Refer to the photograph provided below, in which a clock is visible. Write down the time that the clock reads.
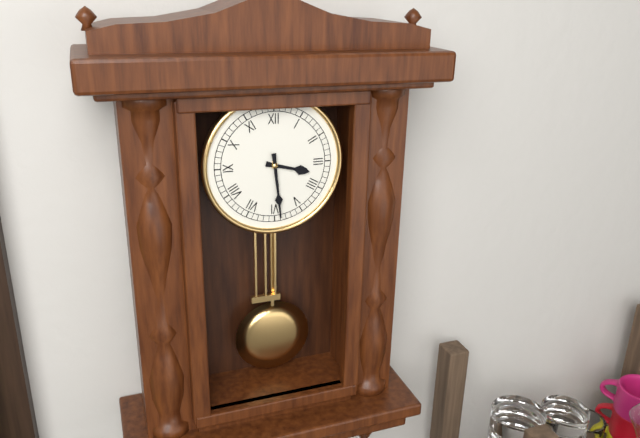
3:29
